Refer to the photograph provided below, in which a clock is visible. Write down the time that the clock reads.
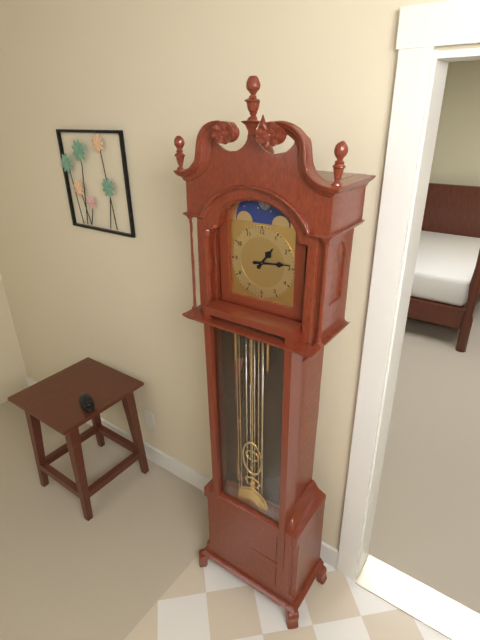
1:14
